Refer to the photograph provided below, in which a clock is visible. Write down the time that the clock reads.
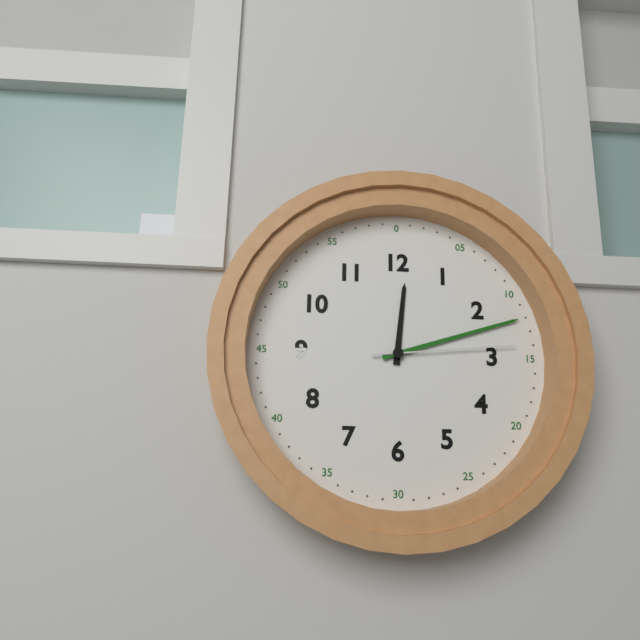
12:12:14
